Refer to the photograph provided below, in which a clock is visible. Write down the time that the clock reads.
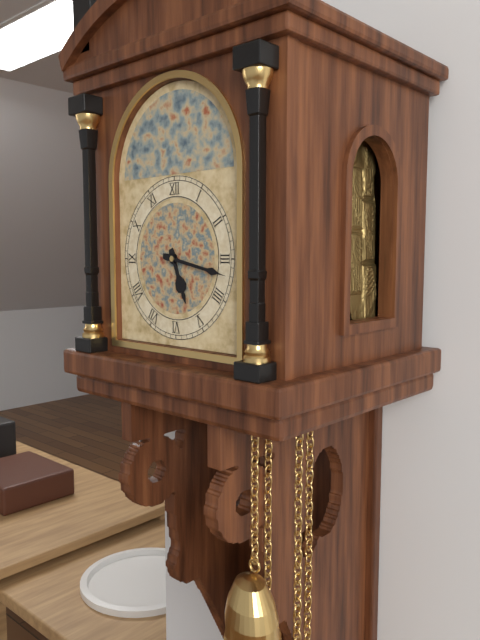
5:17
